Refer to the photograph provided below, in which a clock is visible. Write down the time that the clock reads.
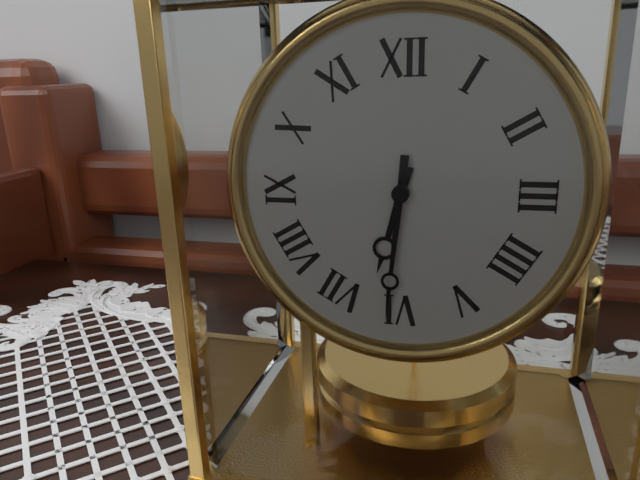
6:31
